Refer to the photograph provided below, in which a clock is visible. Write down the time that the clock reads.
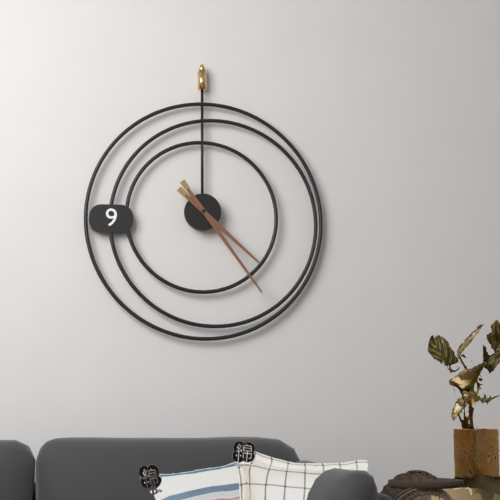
4:24
